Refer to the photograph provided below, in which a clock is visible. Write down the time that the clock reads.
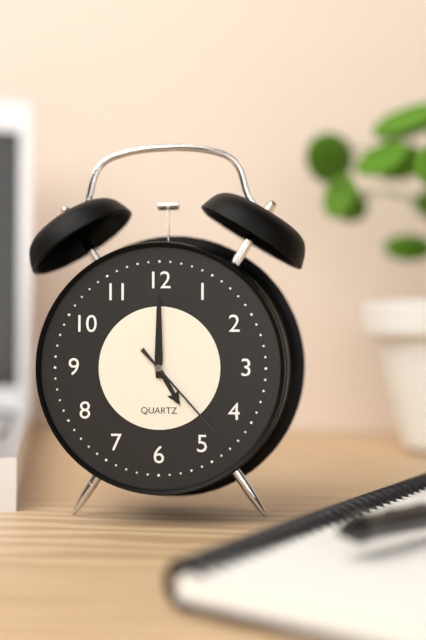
5:00:23
